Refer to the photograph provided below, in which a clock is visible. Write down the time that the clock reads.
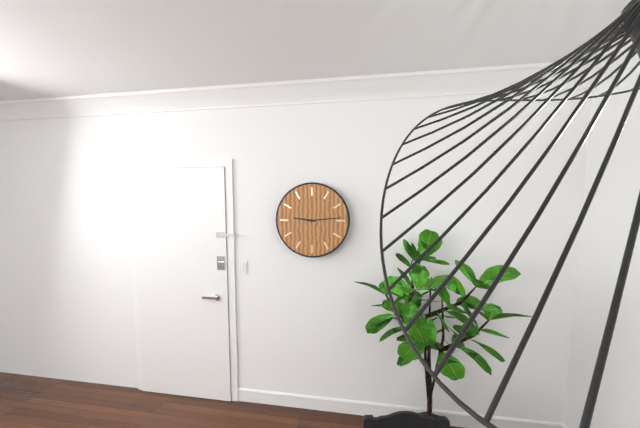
9:14
